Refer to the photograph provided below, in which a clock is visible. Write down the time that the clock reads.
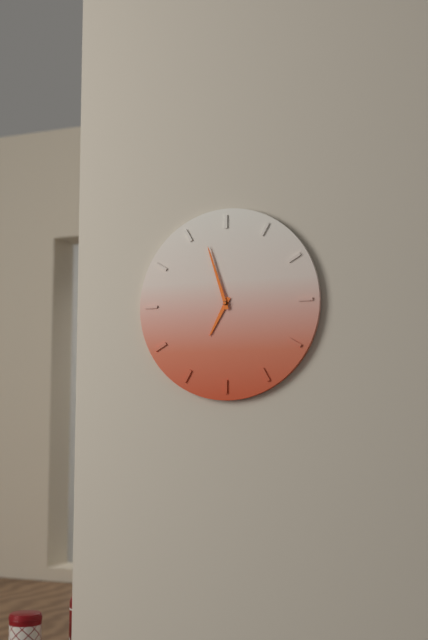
6:57
